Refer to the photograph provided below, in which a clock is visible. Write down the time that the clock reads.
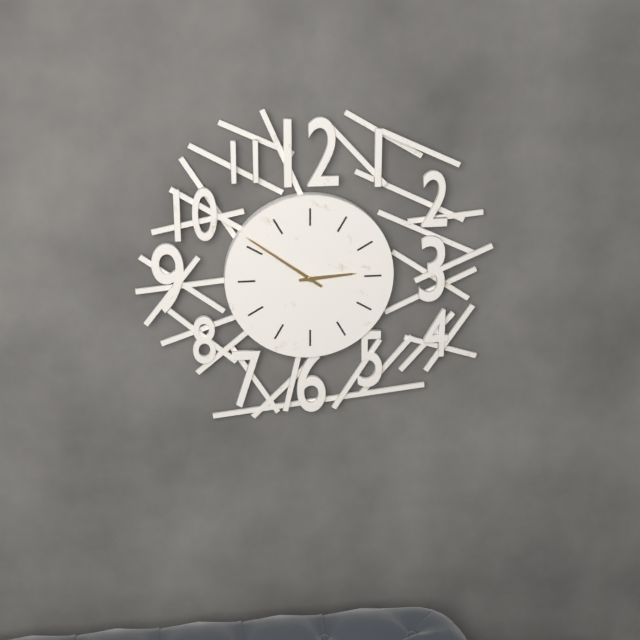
2:51
